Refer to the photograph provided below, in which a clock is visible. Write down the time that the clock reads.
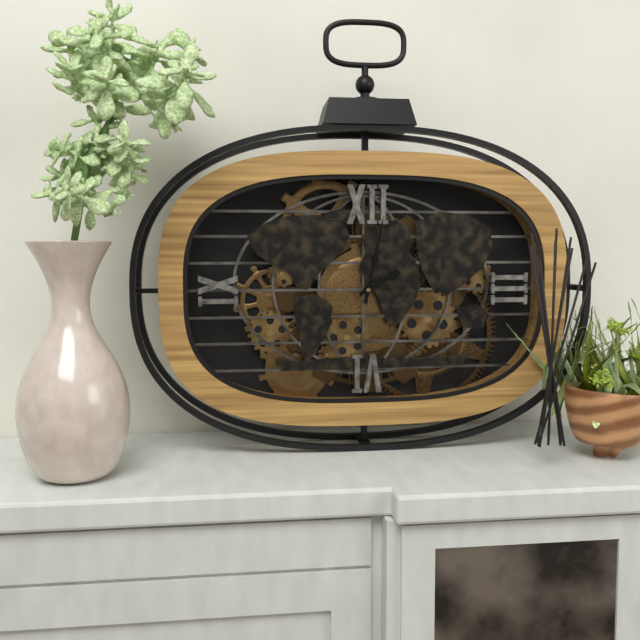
2:02
